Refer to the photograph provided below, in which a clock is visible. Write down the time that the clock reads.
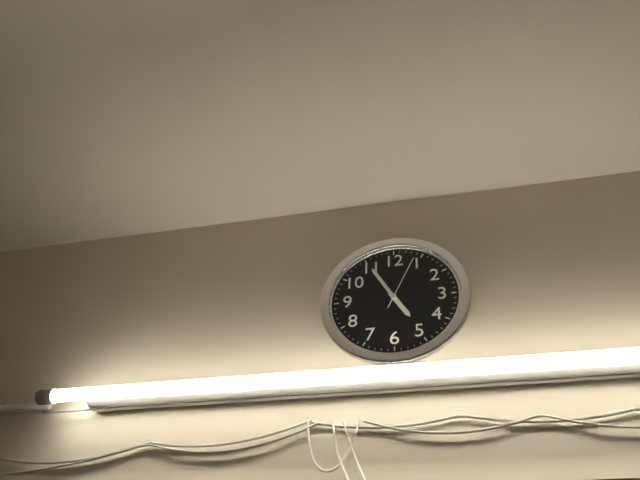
4:55:04
